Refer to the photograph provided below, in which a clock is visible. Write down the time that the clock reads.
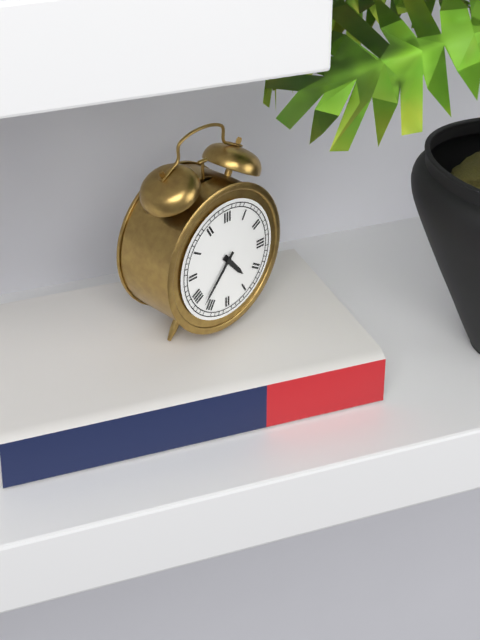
4:37
